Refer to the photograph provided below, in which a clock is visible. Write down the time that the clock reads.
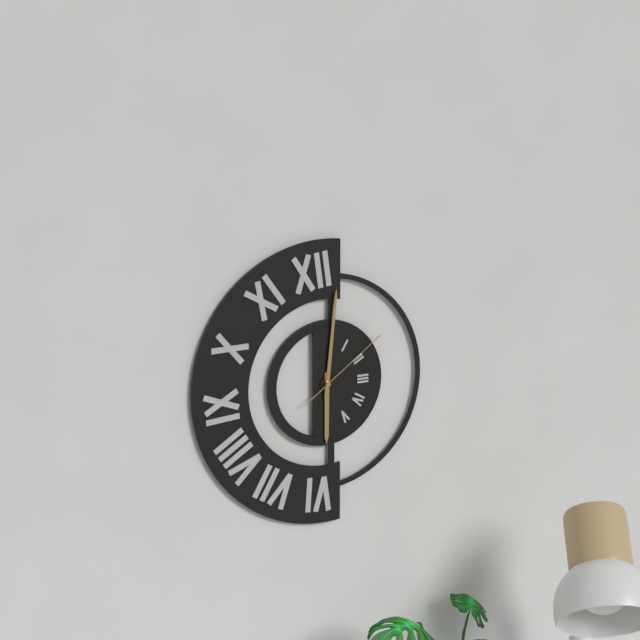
6:01:09
